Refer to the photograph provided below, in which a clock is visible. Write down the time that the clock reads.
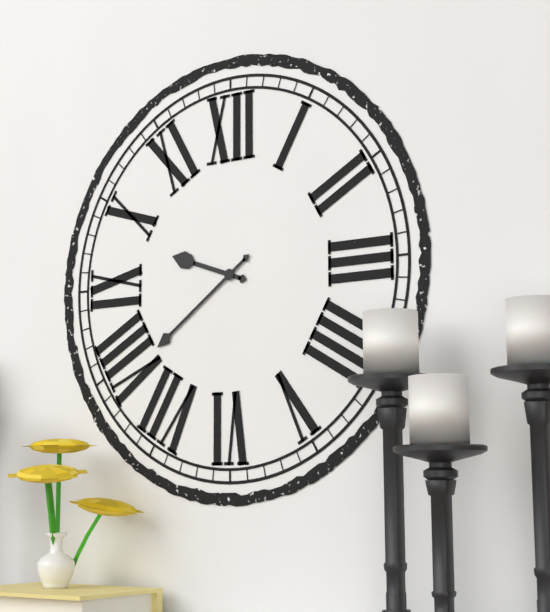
9:39
